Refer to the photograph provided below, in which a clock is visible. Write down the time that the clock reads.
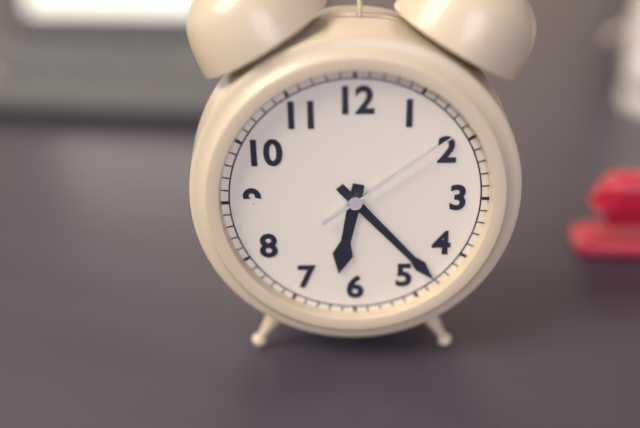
6:23:09
